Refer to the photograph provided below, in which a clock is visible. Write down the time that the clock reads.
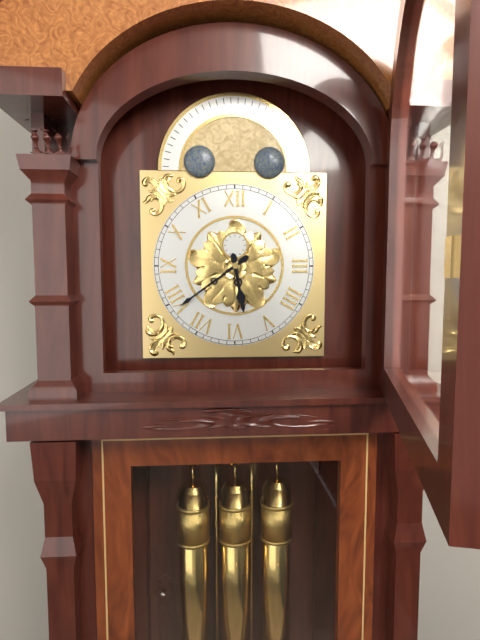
5:39
